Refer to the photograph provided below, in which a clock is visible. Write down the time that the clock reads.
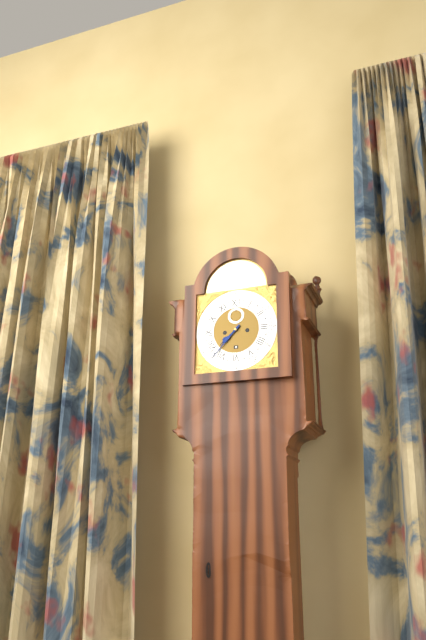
7:37
